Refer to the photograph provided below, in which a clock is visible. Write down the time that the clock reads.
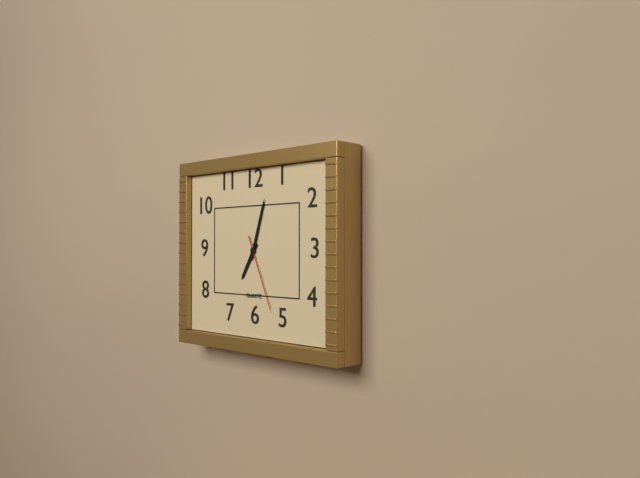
7:03:26
